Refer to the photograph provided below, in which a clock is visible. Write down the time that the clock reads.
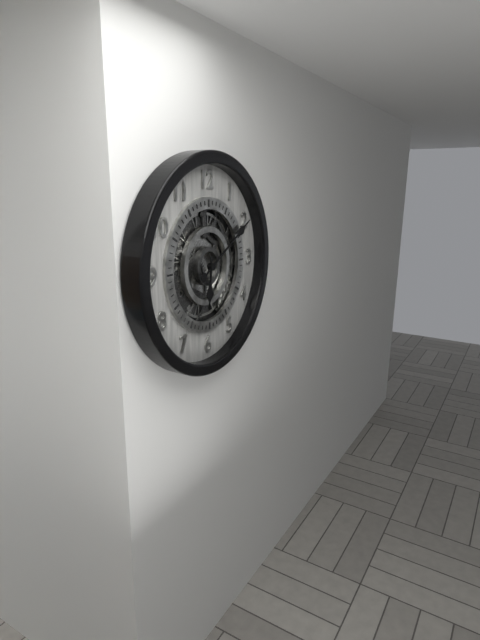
6:10
